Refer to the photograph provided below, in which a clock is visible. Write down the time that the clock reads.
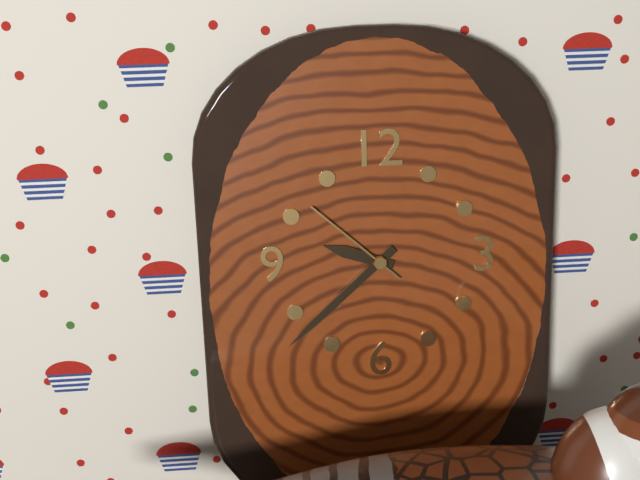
9:38:52
